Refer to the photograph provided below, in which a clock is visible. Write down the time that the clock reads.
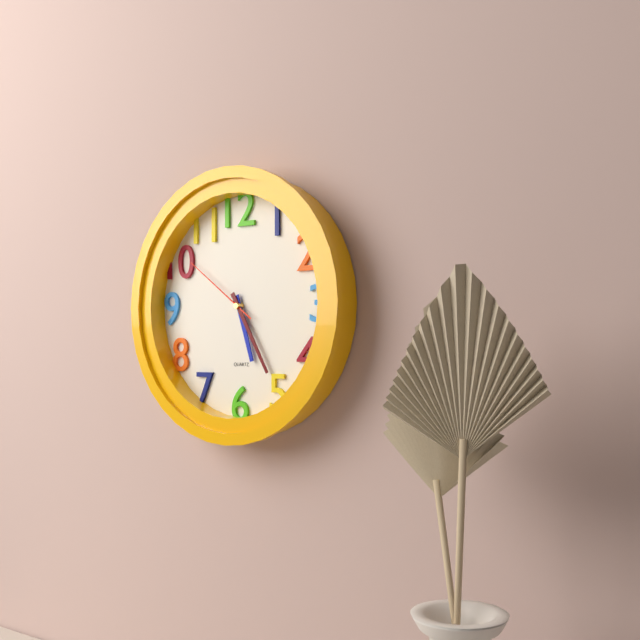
5:25:51
